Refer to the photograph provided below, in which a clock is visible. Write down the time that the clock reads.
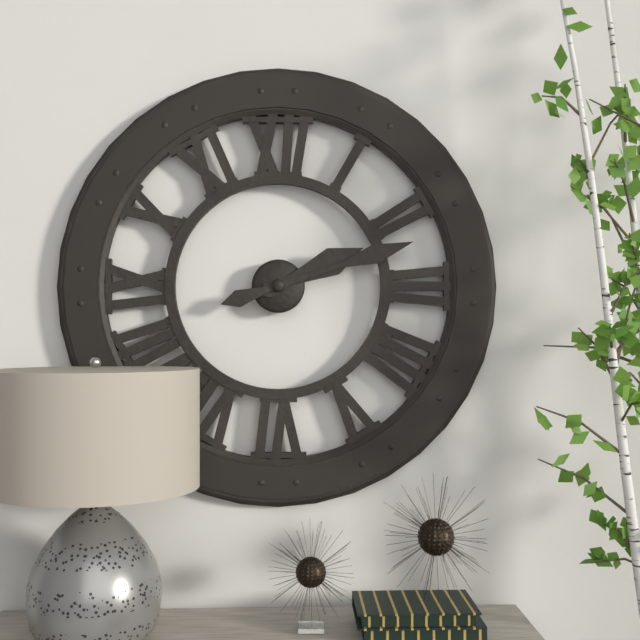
2:12
